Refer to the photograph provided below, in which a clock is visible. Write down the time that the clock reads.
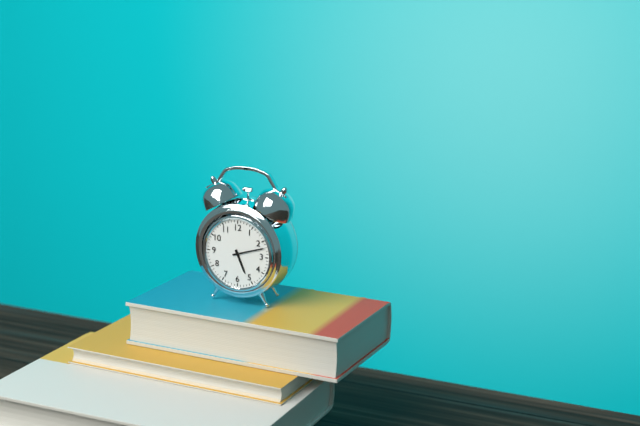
5:12
